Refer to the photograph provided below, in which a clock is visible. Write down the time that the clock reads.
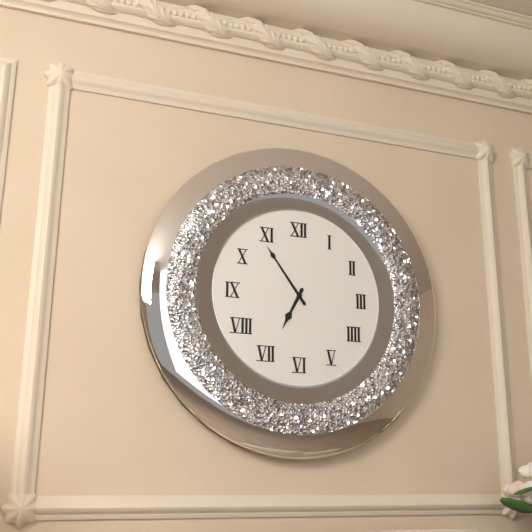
6:54
